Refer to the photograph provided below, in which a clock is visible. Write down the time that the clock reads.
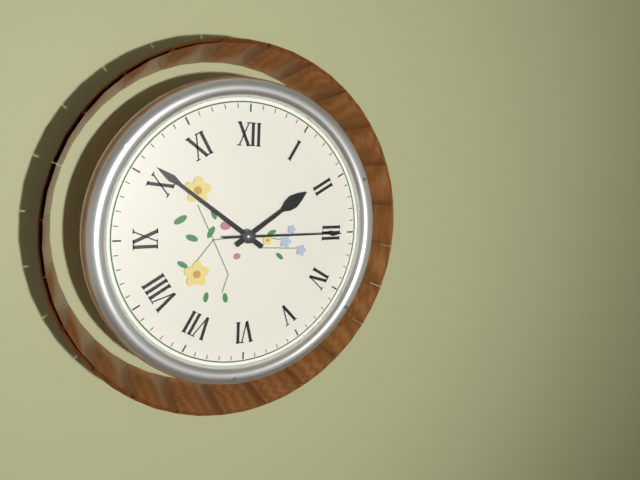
1:51:15
